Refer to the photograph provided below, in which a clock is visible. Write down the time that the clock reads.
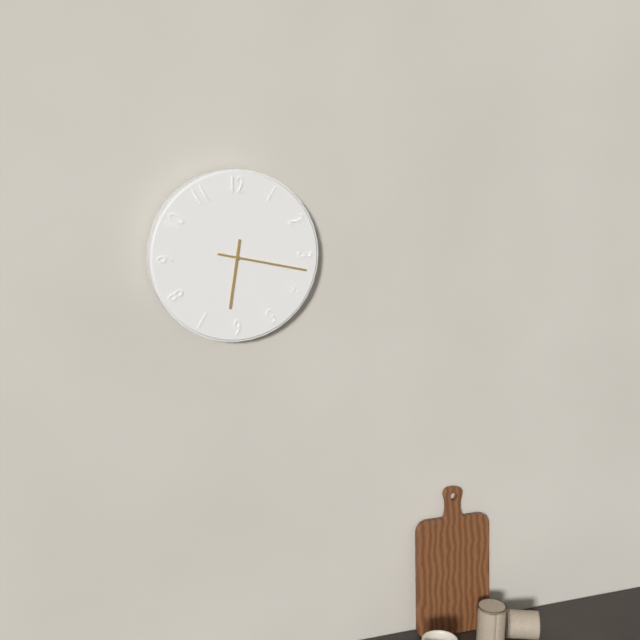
6:17
